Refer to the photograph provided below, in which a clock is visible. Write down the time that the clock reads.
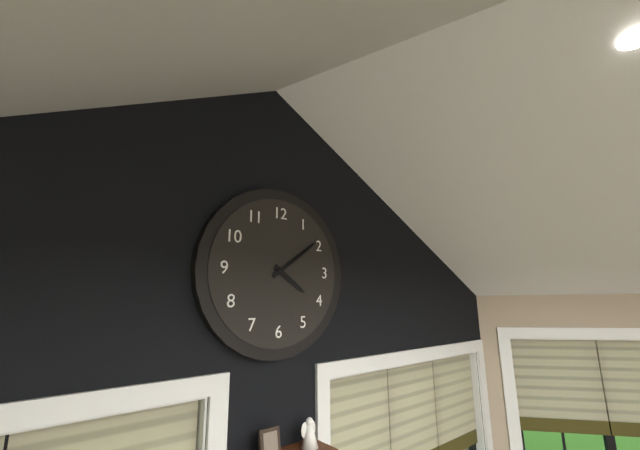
4:09
